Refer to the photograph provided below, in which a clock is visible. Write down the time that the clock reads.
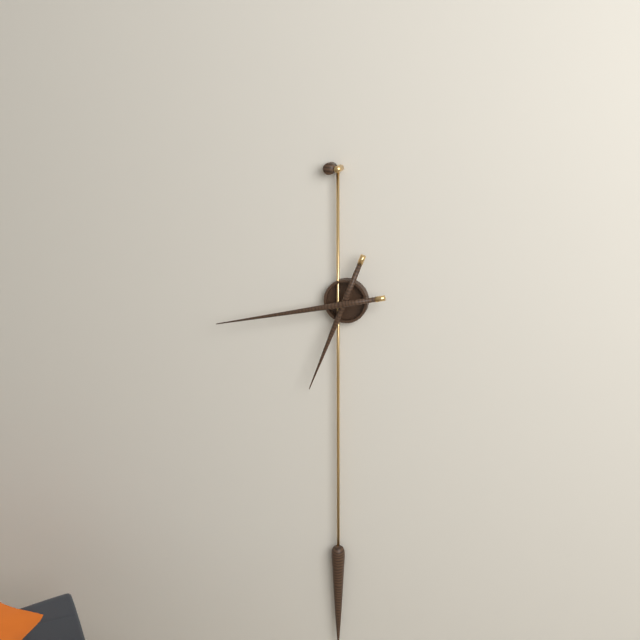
6:43
